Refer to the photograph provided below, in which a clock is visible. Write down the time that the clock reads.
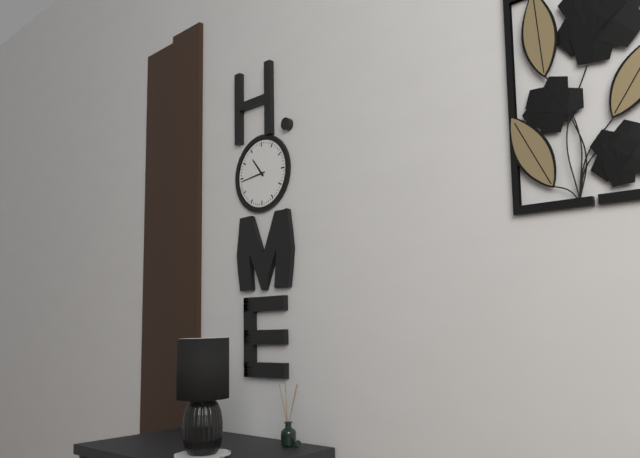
10:44
